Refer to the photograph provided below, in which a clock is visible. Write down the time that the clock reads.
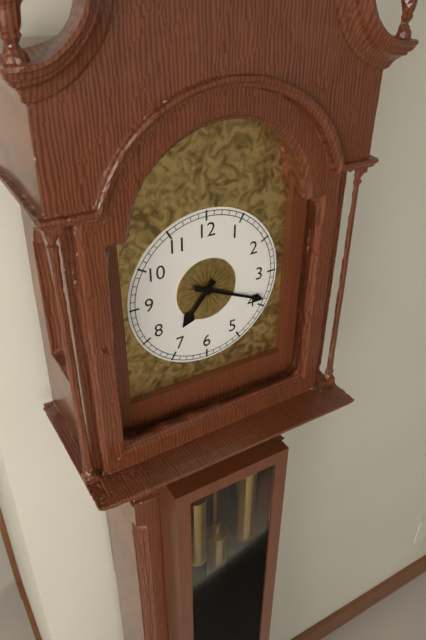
7:19
